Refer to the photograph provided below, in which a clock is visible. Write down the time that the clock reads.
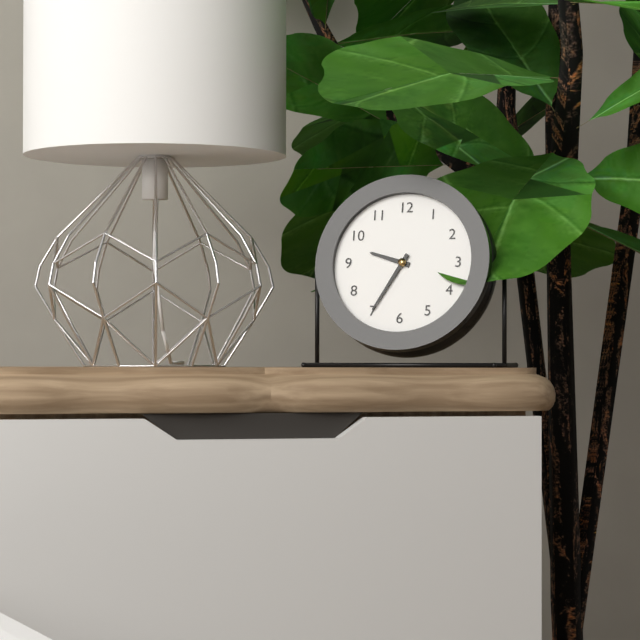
9:35
